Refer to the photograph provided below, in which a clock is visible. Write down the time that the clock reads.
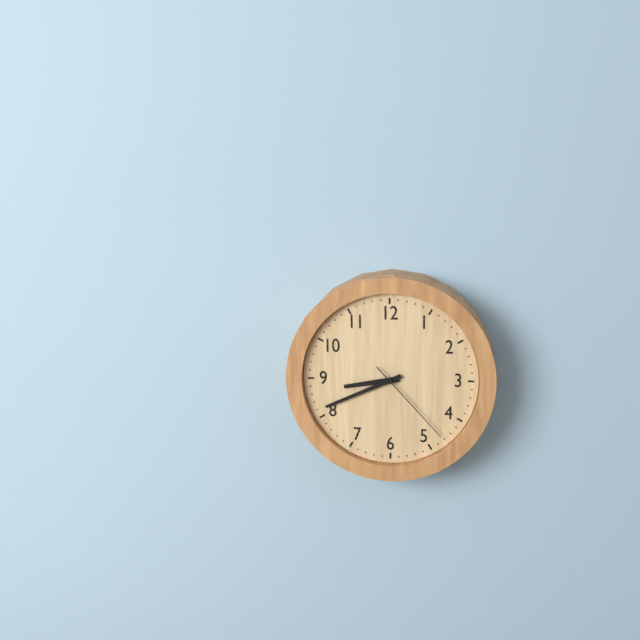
8:41:23
